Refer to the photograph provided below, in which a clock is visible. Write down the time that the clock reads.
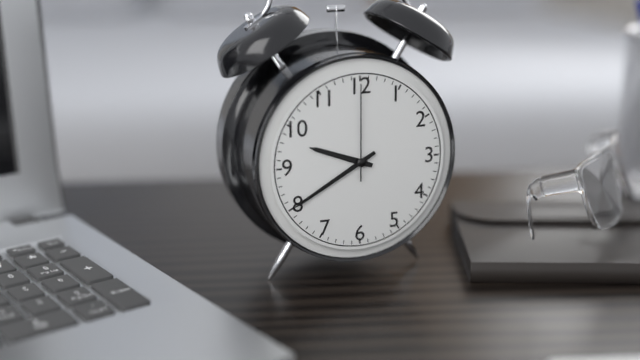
9:40:00
